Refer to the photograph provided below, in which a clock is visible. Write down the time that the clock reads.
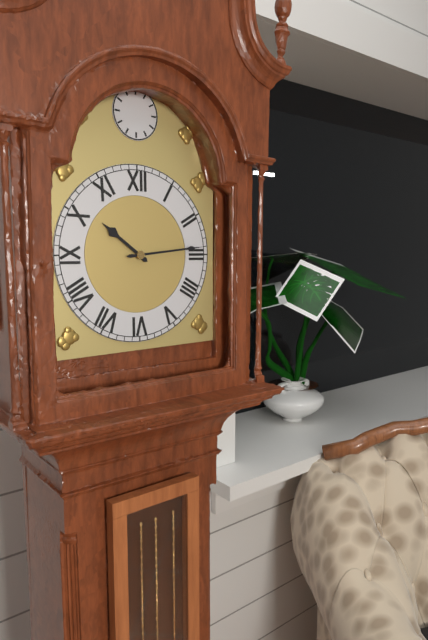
10:14
